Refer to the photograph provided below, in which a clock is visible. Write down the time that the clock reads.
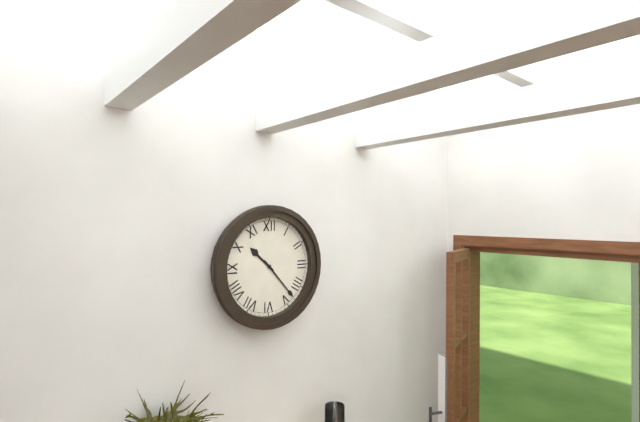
10:23
